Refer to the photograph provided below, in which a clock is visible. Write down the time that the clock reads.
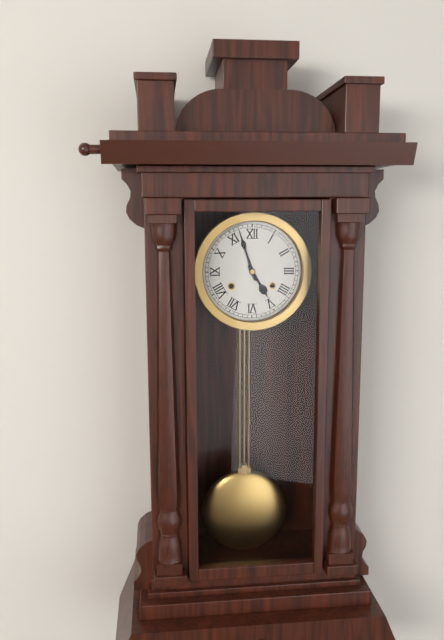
4:57
